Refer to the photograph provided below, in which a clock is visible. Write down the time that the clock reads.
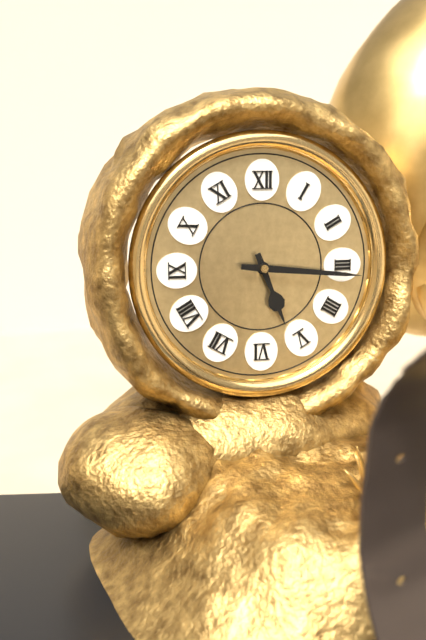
5:16
